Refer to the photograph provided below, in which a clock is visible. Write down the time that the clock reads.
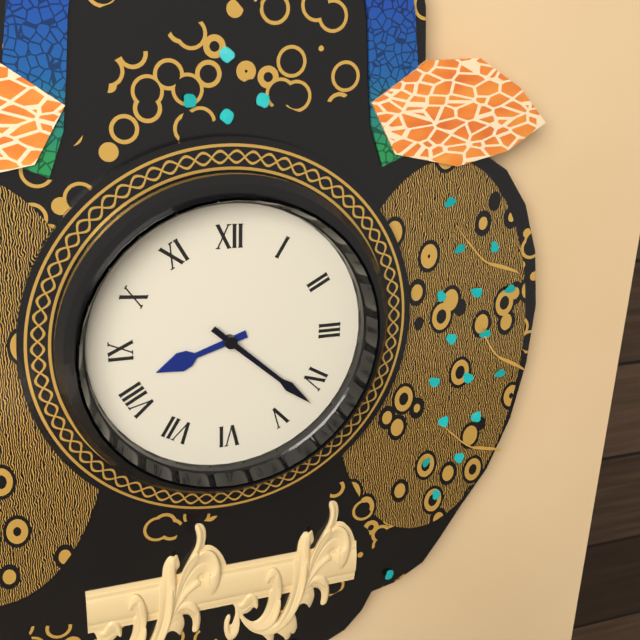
8:22
